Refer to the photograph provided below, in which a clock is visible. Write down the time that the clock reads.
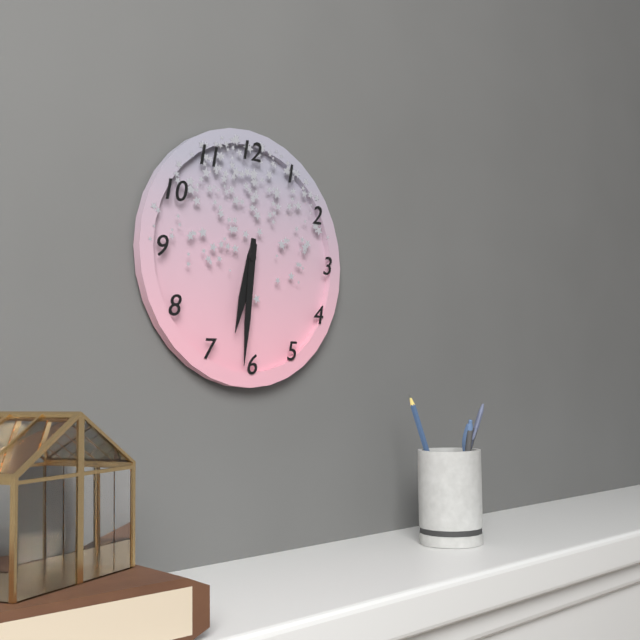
6:31
